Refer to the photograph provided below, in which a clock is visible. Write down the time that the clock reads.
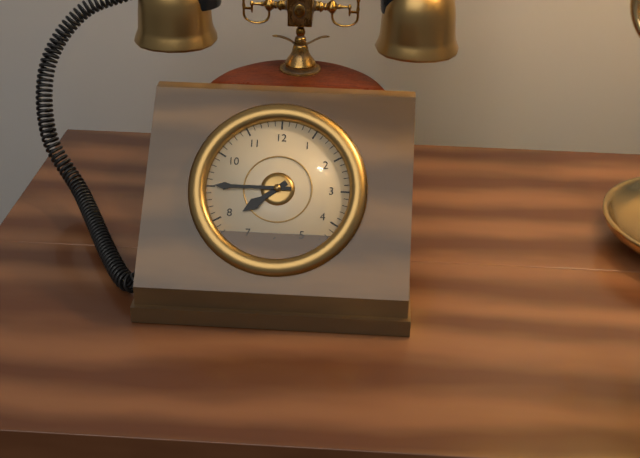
7:45
